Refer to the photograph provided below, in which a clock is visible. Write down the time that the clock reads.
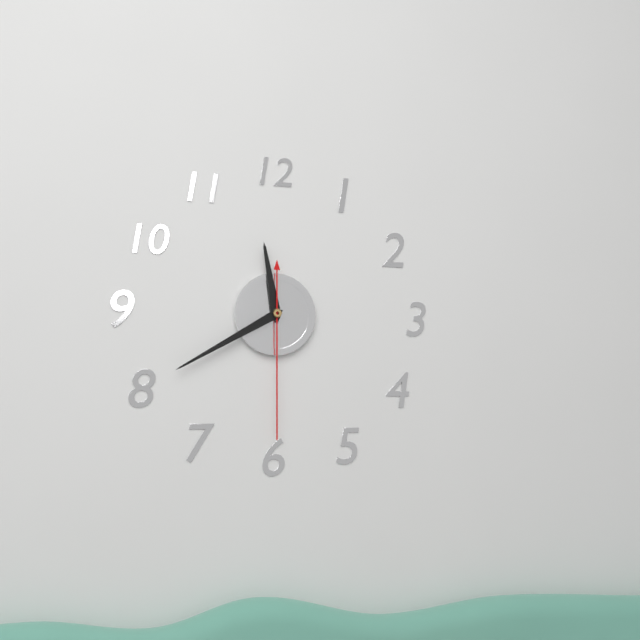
11:40:30
